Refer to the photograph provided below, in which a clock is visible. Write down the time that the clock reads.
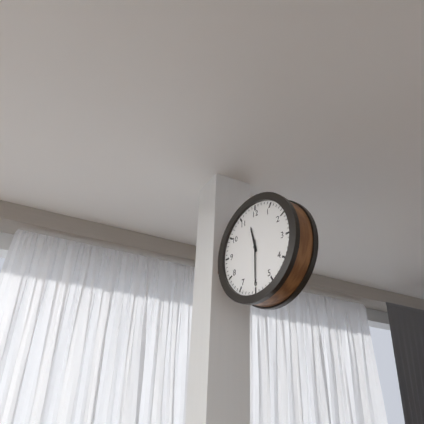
11:30
